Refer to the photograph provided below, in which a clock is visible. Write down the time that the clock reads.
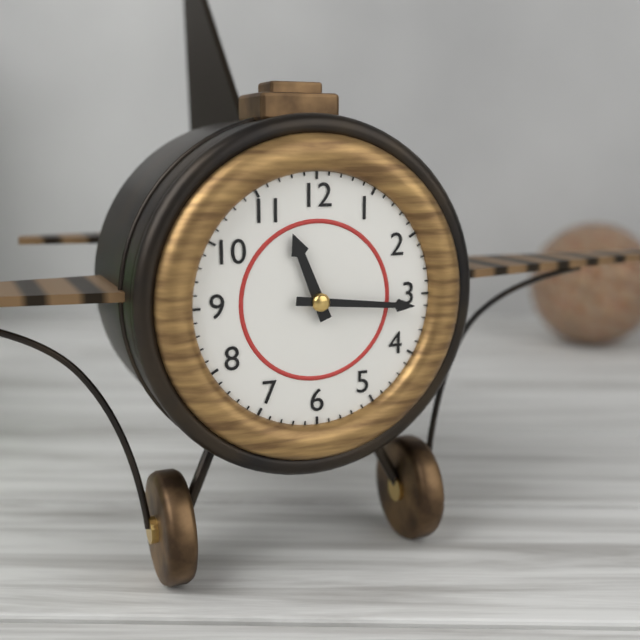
11:16
